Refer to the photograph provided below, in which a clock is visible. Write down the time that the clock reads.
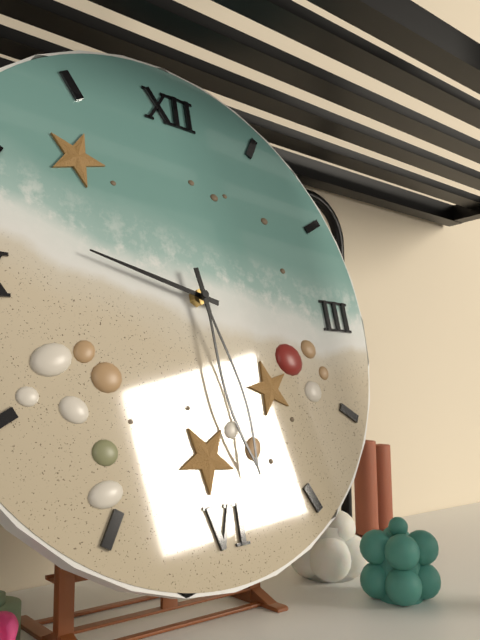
9:28
